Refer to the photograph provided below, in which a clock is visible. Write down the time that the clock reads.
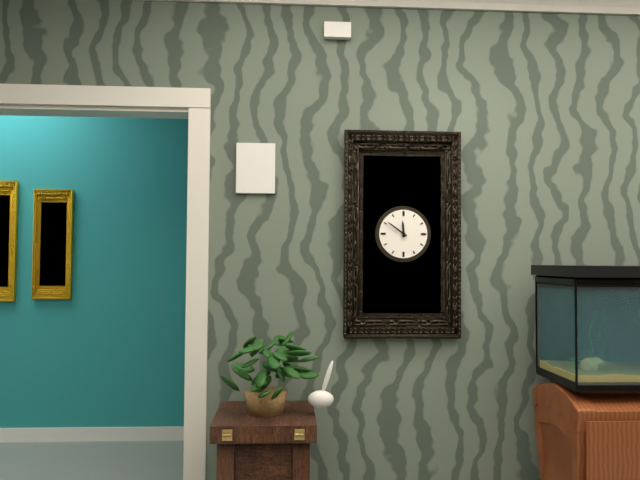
11:51
